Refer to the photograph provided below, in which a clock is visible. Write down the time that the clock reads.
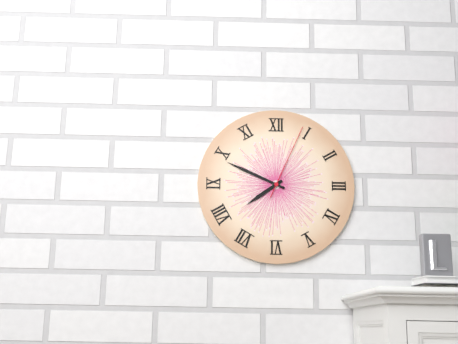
7:49:04
